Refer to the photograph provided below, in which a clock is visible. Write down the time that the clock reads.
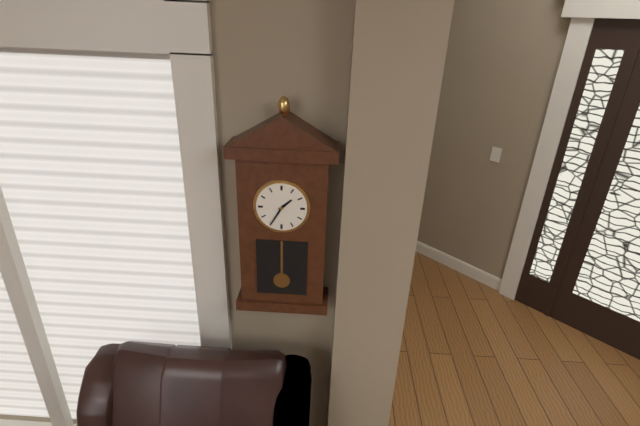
1:35
